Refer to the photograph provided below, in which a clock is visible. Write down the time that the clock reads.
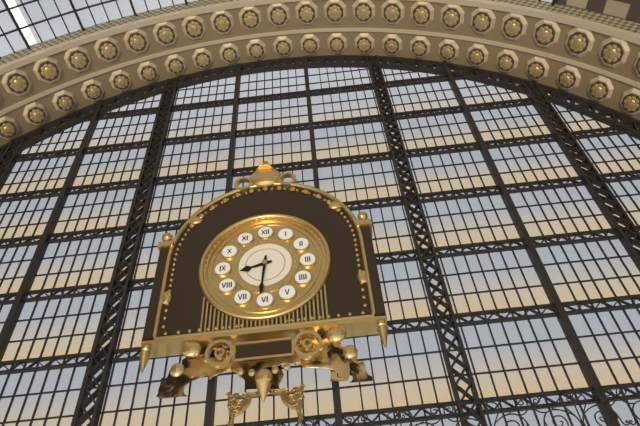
8:31
